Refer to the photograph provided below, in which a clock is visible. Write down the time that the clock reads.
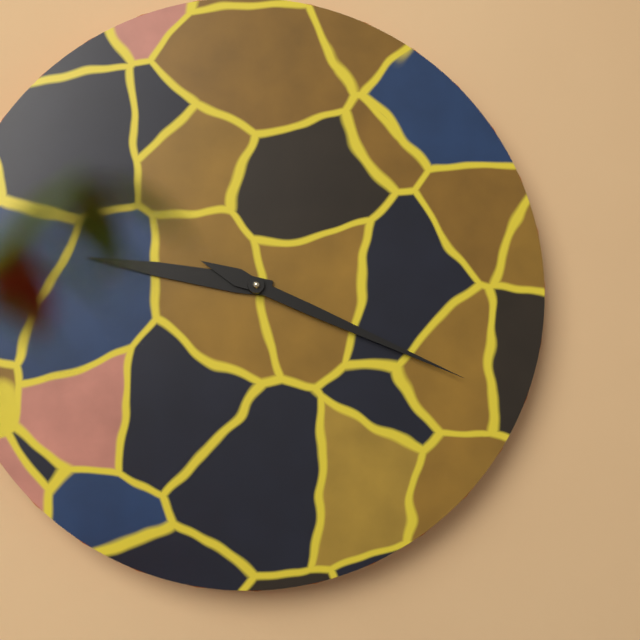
9:19
